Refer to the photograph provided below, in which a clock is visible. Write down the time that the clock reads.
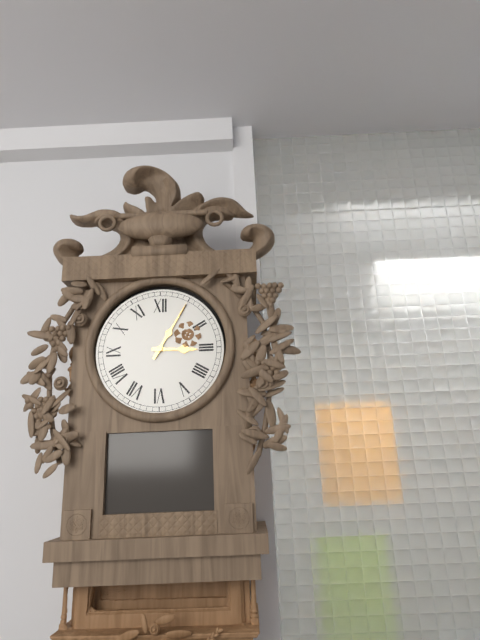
3:05
